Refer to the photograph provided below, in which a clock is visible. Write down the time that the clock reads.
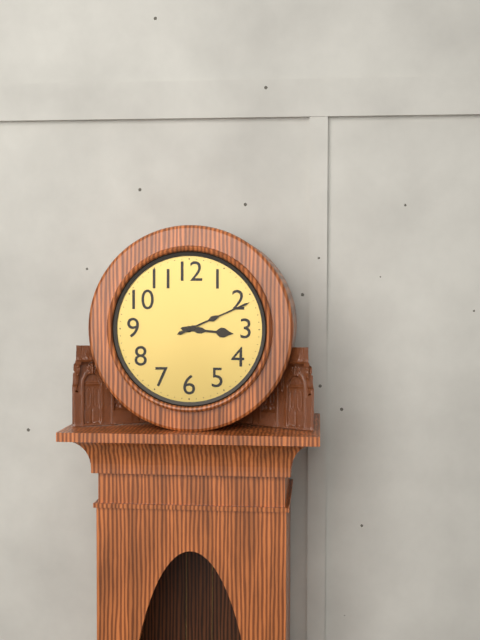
3:11
